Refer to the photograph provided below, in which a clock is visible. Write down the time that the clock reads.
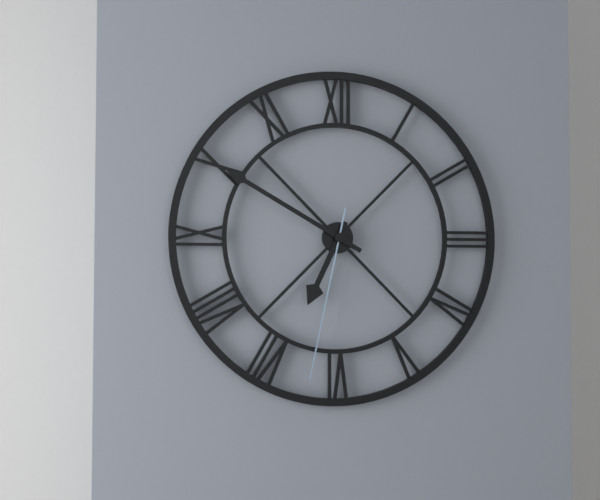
6:50:32
